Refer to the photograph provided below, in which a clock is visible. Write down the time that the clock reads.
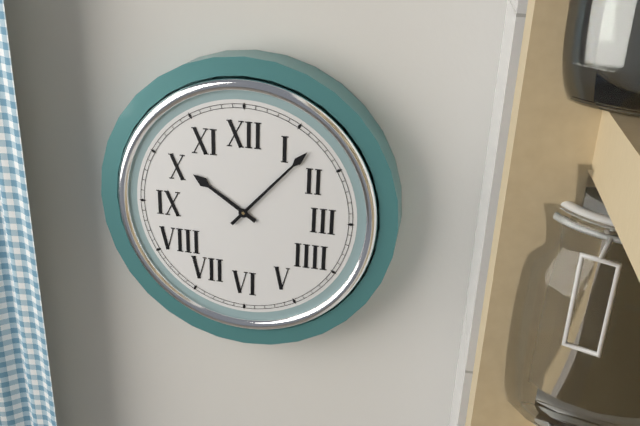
10:07
